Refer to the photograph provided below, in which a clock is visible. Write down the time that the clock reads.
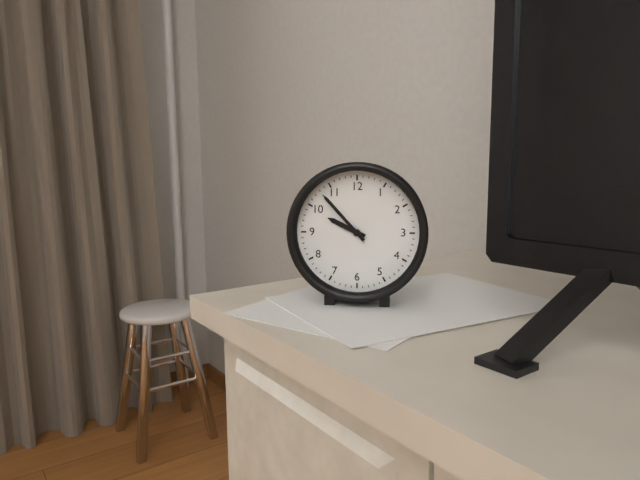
9:53
